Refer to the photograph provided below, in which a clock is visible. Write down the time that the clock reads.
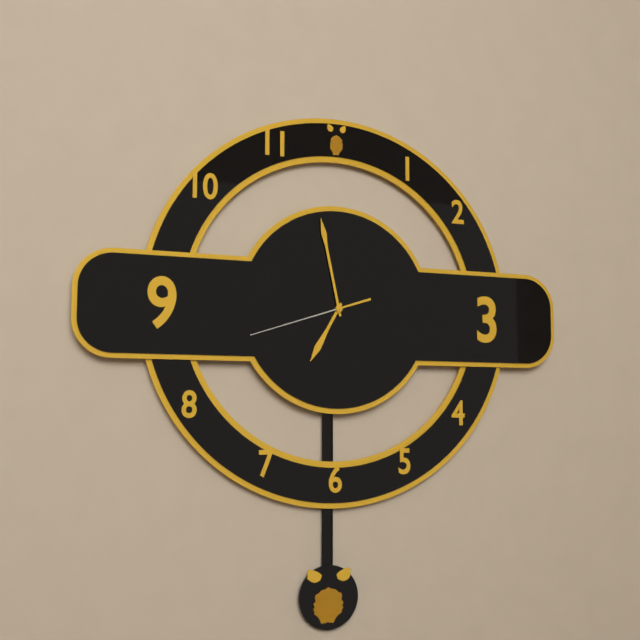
6:58:42
